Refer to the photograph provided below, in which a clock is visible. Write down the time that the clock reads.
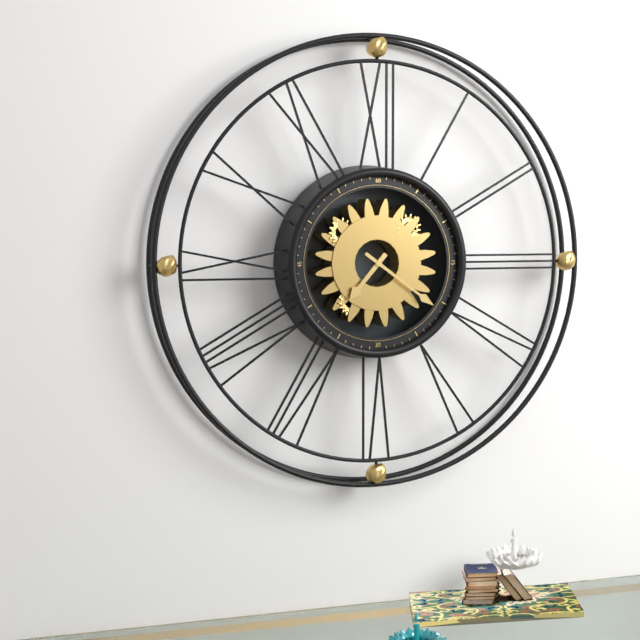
7:21
